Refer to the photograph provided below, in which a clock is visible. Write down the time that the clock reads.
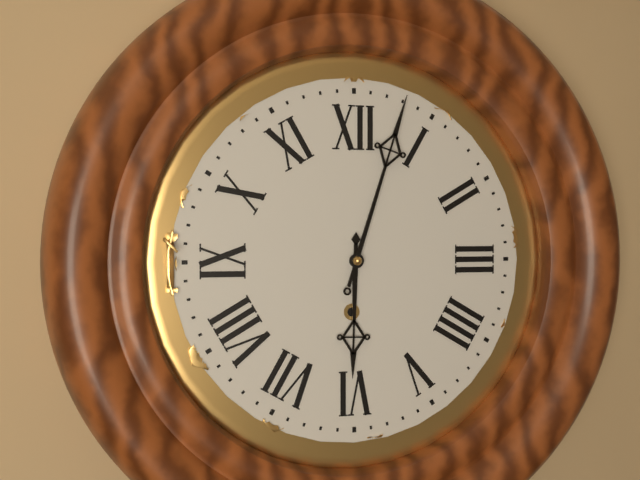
6:03
